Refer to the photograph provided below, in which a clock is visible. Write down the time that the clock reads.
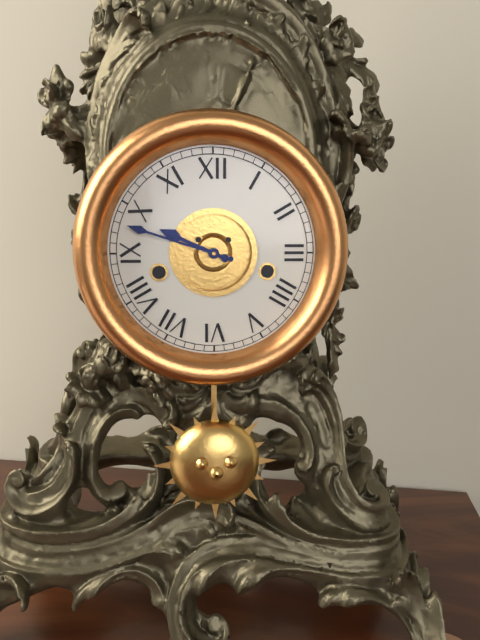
9:48
